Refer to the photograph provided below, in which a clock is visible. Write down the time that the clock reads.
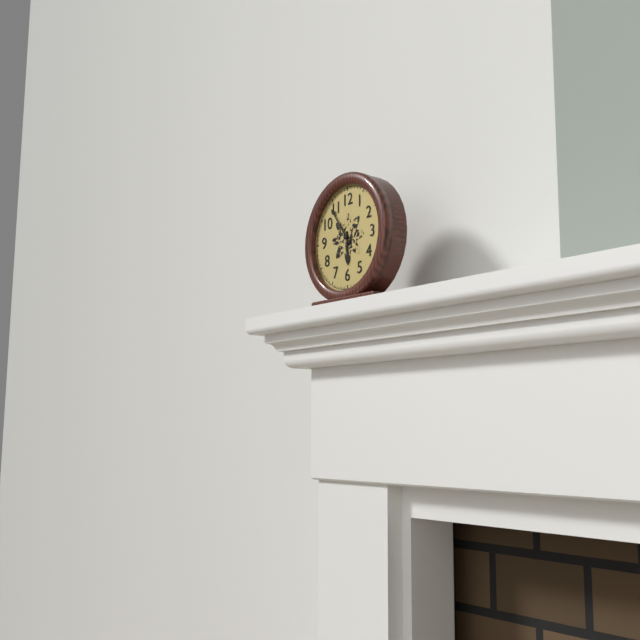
5:54
